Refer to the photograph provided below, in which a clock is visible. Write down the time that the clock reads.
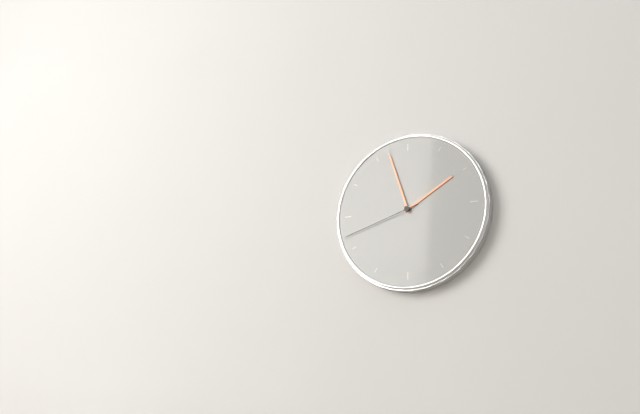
1:57:42
